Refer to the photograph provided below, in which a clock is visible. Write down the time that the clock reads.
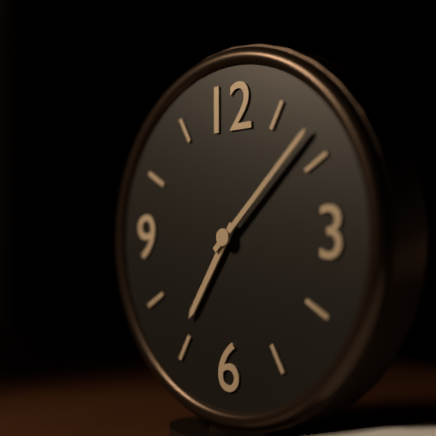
7:08
